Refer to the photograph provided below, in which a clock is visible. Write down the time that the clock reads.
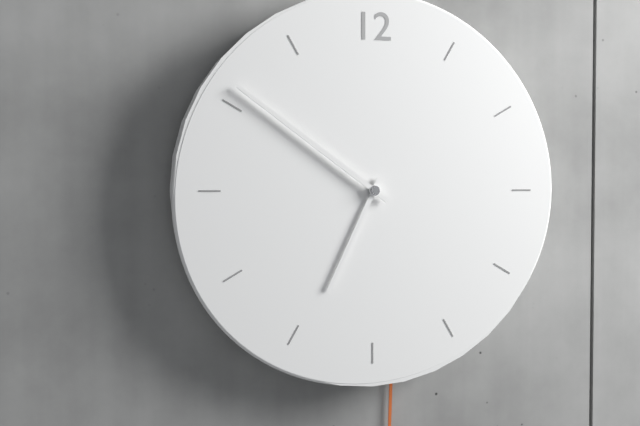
6:51
